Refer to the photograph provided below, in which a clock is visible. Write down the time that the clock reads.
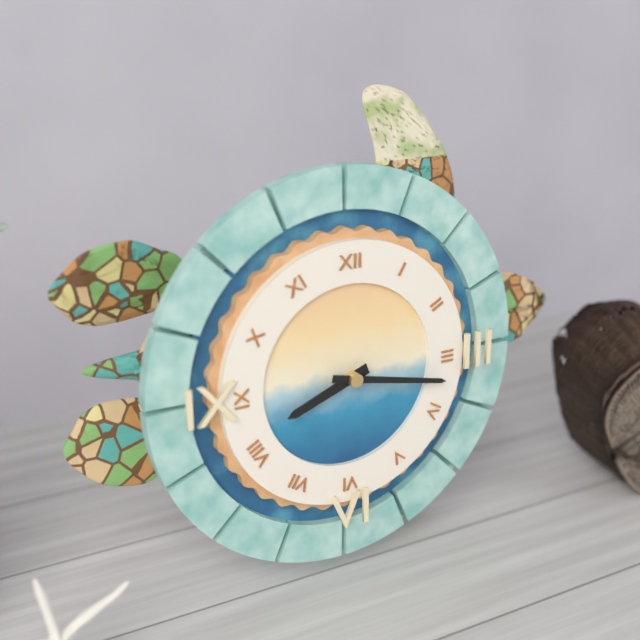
8:17
